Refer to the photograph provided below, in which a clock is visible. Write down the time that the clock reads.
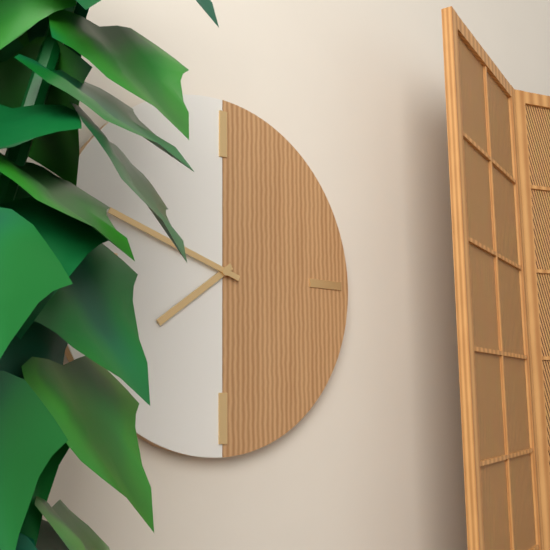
7:48
